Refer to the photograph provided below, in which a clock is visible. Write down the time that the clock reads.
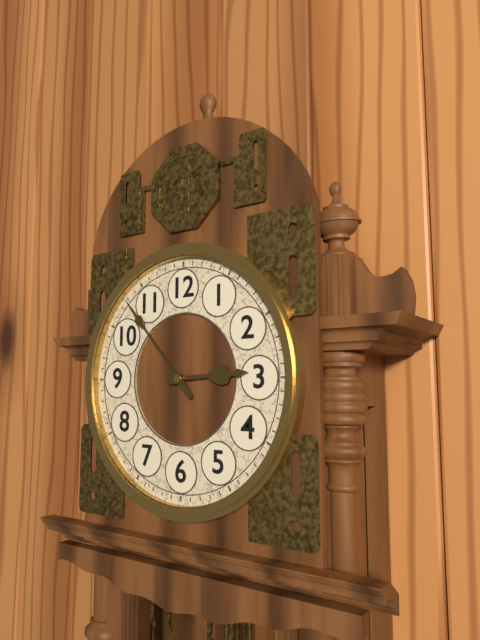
2:53
